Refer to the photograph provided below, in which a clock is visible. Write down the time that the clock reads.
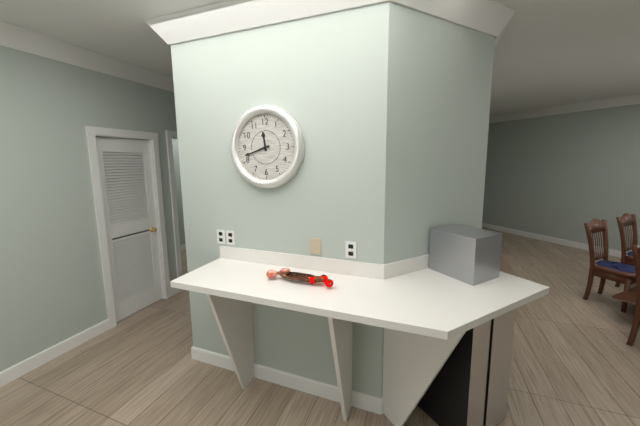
11:42
